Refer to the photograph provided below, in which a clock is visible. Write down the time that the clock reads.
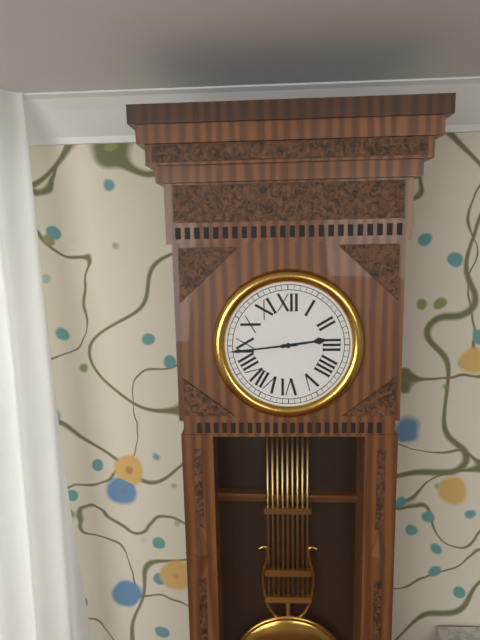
2:44
